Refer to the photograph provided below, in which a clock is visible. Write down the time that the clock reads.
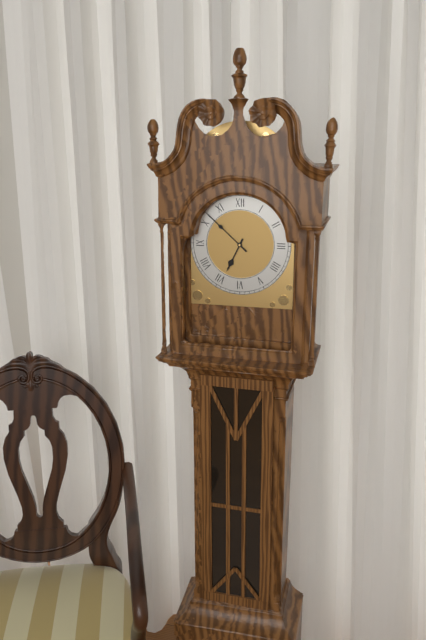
6:52
